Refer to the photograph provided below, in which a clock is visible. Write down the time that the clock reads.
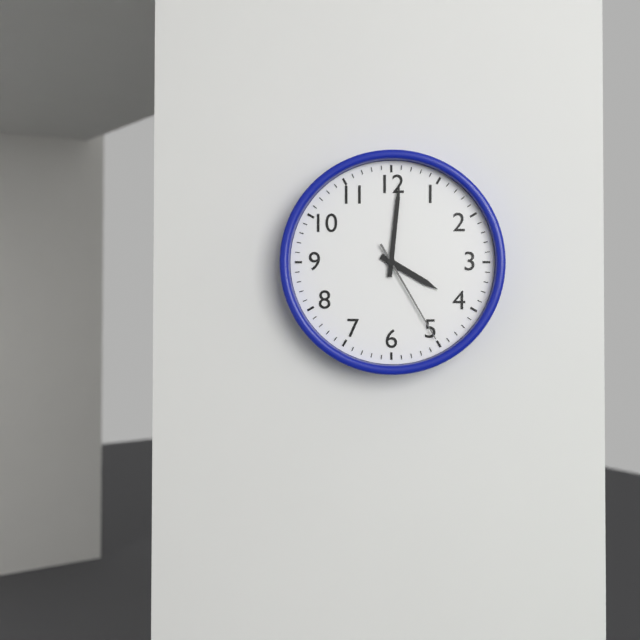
4:01:25
